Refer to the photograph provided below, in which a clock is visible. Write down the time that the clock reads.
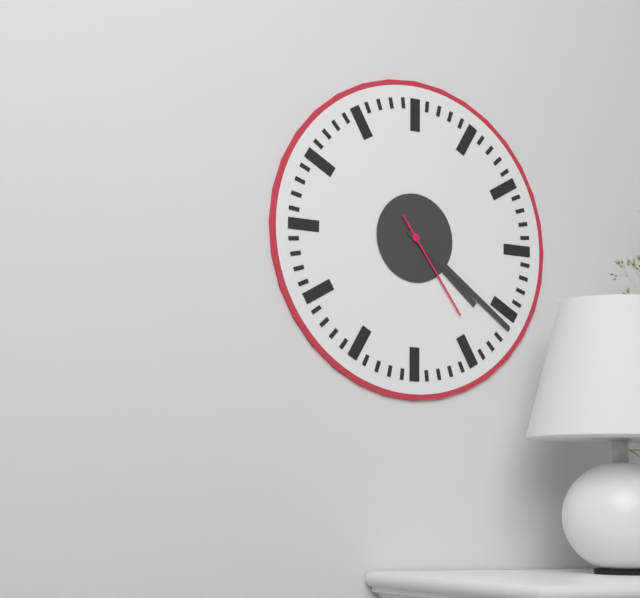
4:21:24
